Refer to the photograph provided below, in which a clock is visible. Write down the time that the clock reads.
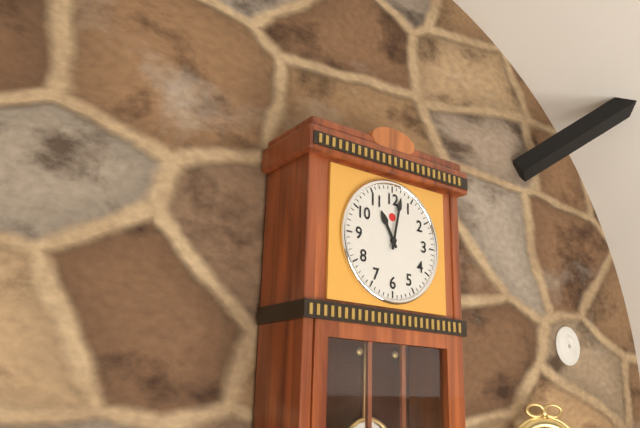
11:02
